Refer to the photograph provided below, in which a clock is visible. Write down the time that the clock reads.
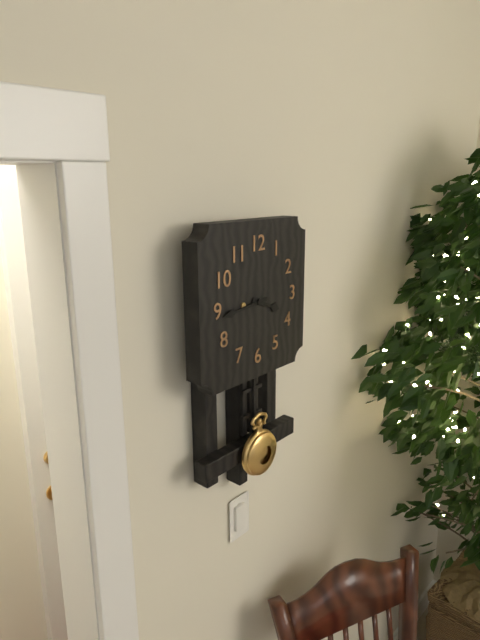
3:44
